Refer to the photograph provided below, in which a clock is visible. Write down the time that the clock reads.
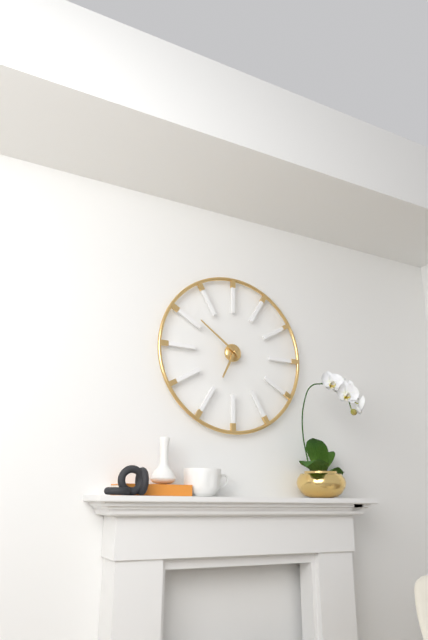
6:51
